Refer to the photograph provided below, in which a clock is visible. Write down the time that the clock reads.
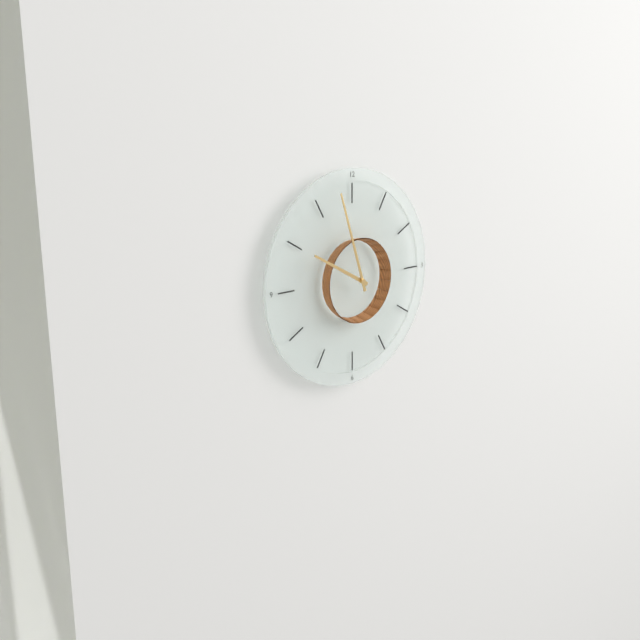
9:57
